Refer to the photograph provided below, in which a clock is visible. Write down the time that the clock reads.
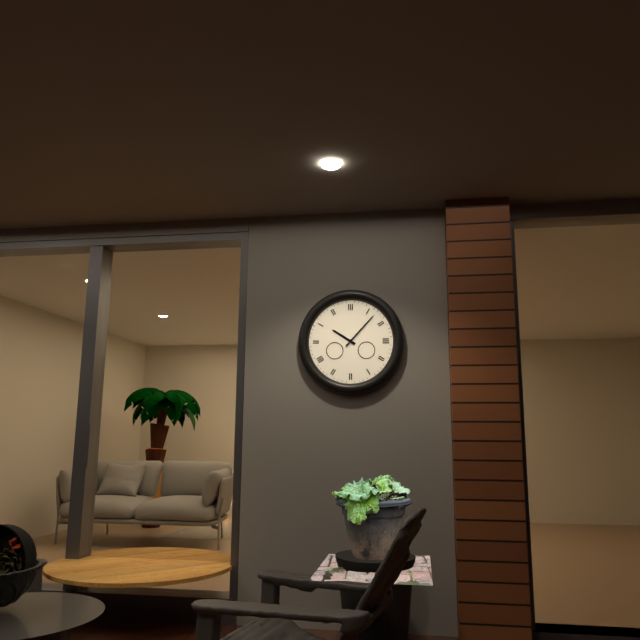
10:07
